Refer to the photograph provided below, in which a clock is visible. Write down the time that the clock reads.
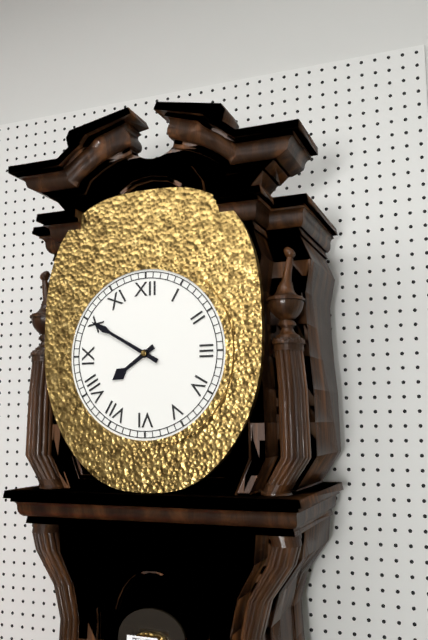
7:50
